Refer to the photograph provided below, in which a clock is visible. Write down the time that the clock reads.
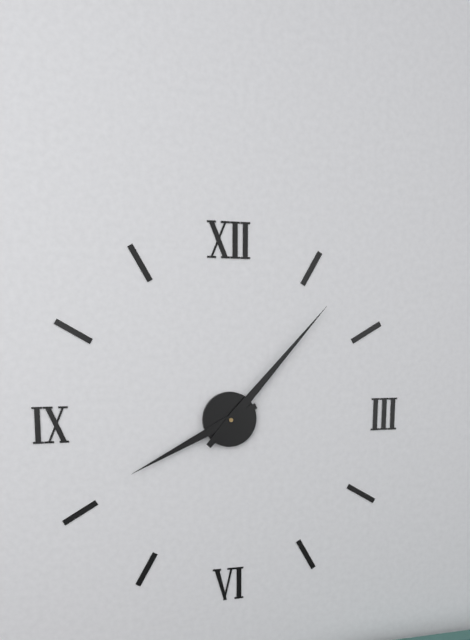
8:07
